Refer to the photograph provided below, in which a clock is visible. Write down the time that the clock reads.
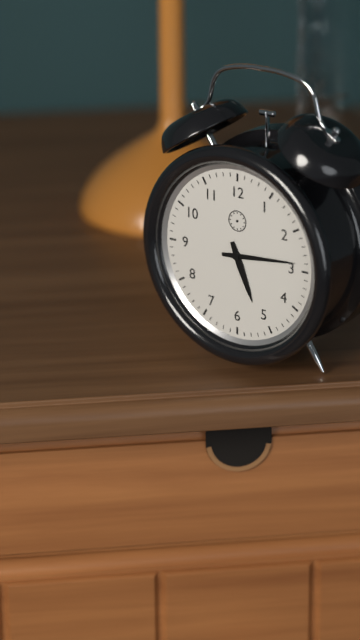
5:14
